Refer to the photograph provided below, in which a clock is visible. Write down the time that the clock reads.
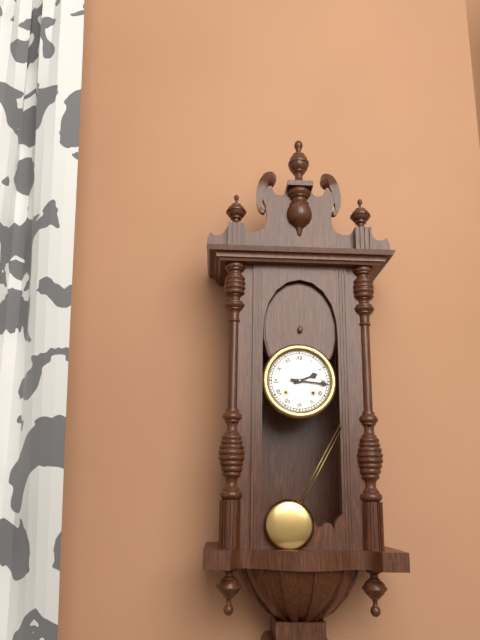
2:16
